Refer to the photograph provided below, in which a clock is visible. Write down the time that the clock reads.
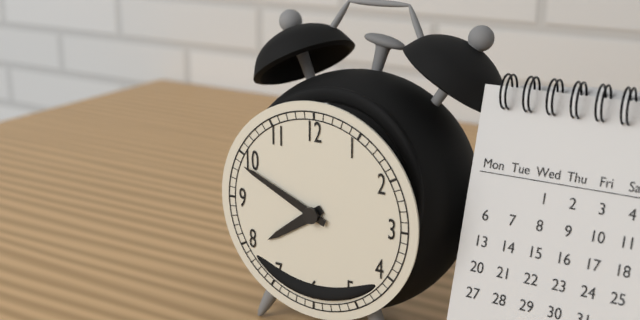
7:49
